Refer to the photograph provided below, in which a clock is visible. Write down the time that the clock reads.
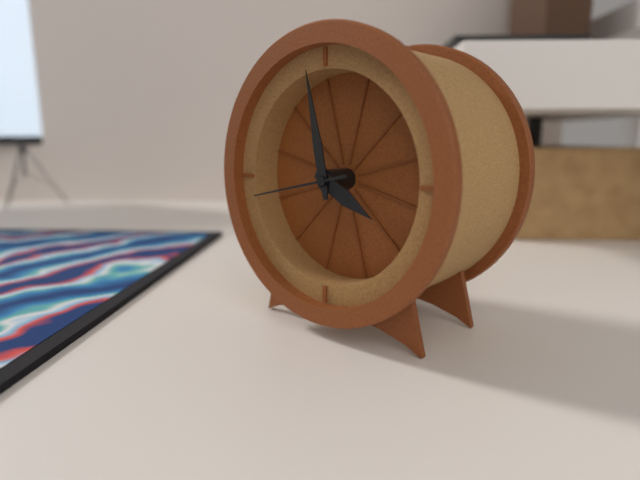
3:58:43
